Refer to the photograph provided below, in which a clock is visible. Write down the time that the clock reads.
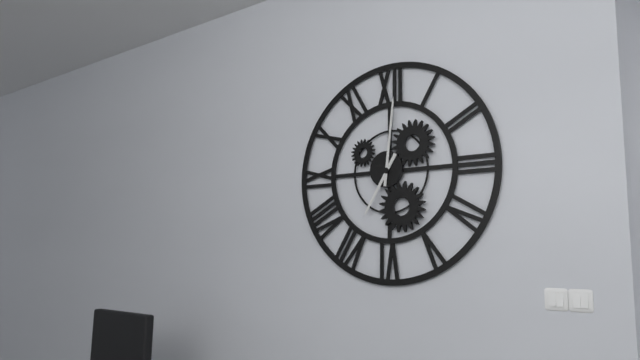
7:01
